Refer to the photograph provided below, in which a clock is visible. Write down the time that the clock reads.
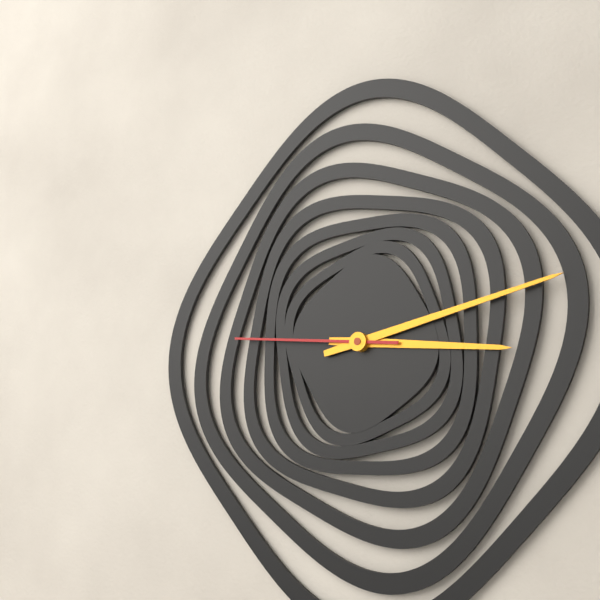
3:13:46
